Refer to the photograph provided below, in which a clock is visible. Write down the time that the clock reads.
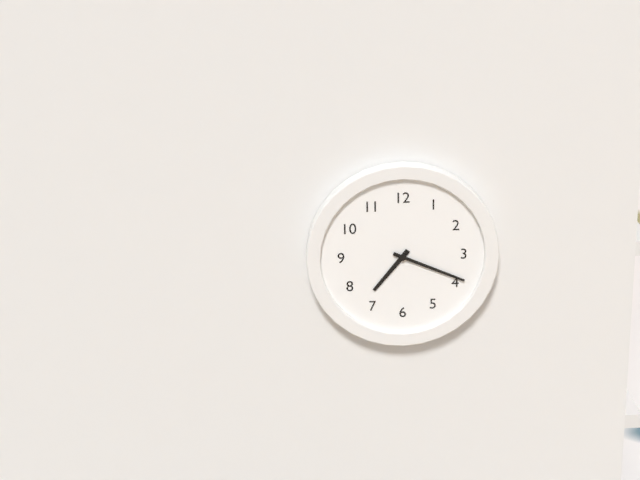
7:19
